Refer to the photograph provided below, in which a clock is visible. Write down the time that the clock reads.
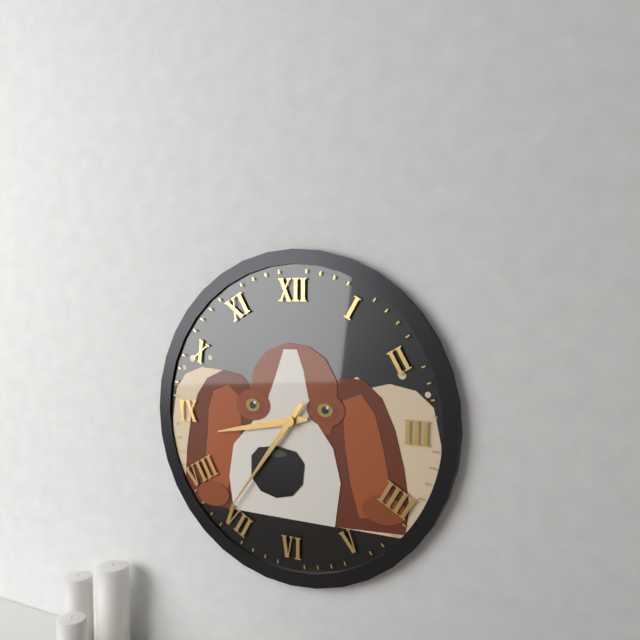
8:36
